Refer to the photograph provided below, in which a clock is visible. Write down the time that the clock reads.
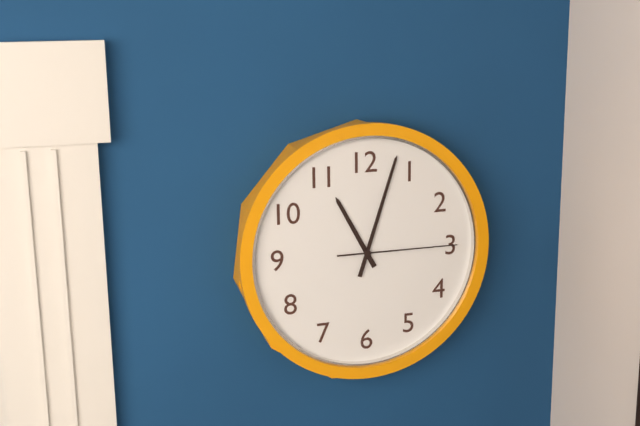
11:03:15
